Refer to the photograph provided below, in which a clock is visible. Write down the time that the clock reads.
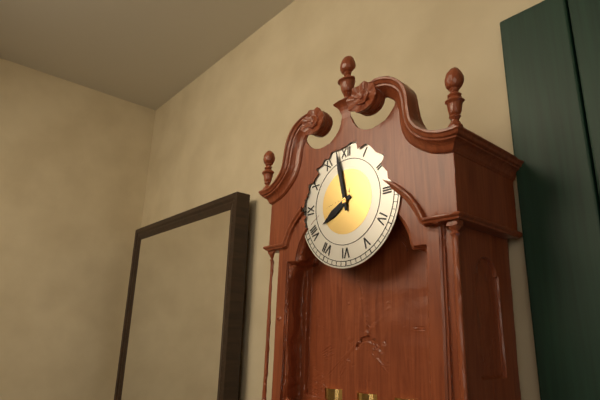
7:58
